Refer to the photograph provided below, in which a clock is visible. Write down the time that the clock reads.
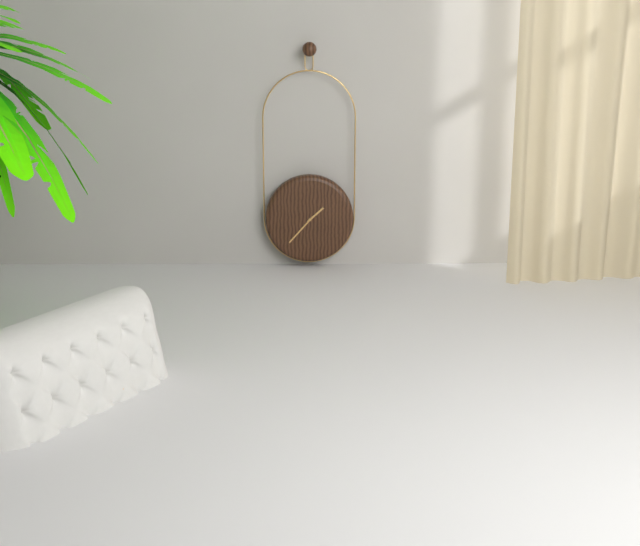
1:37
